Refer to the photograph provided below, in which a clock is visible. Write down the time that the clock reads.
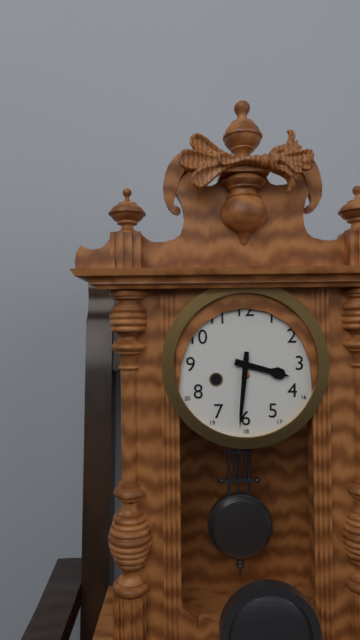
3:31
